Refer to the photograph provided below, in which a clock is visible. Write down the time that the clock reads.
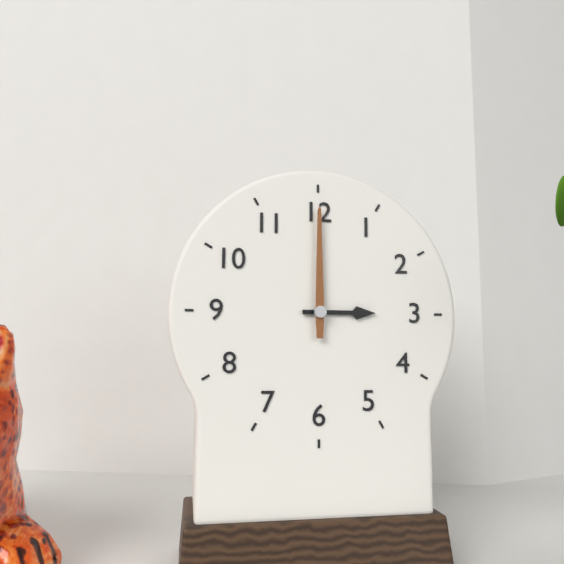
3:00
